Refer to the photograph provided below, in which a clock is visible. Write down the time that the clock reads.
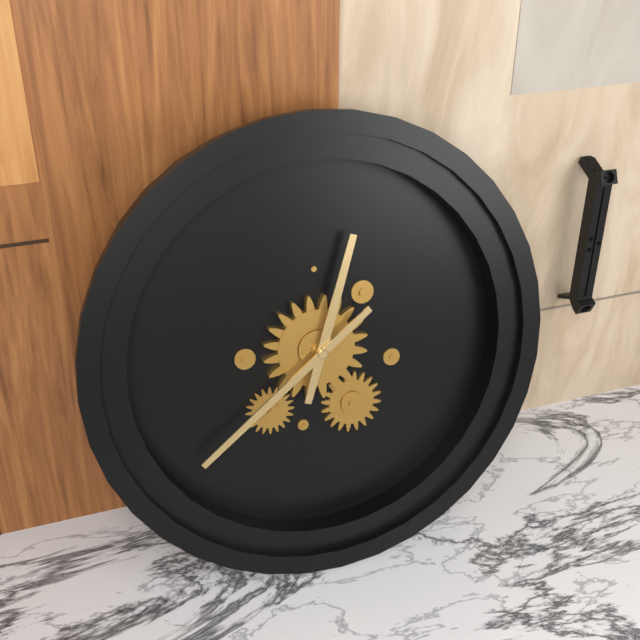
12:39
